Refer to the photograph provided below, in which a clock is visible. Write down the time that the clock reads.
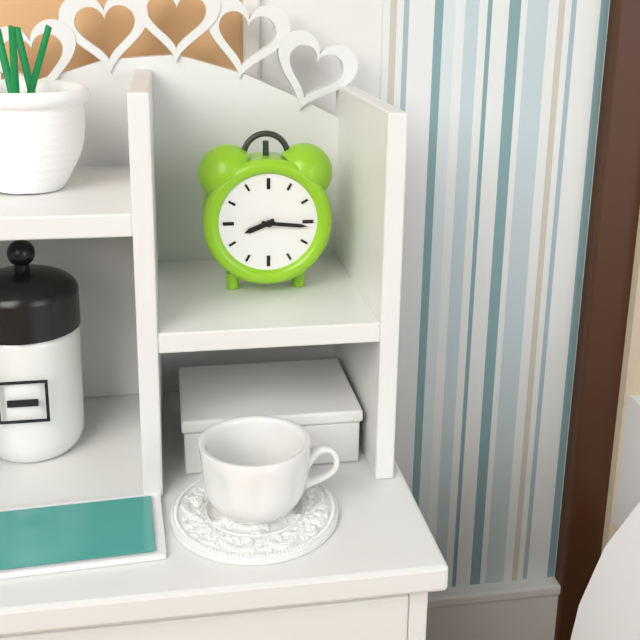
8:16
